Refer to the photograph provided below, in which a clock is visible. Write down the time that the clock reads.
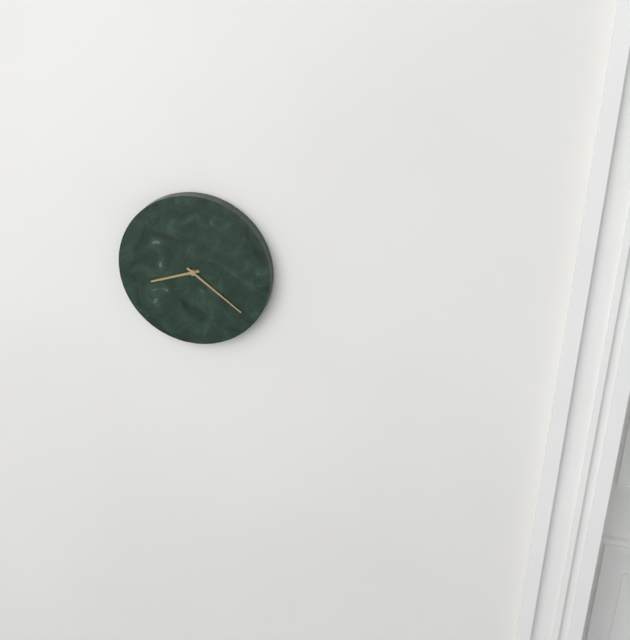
8:21
